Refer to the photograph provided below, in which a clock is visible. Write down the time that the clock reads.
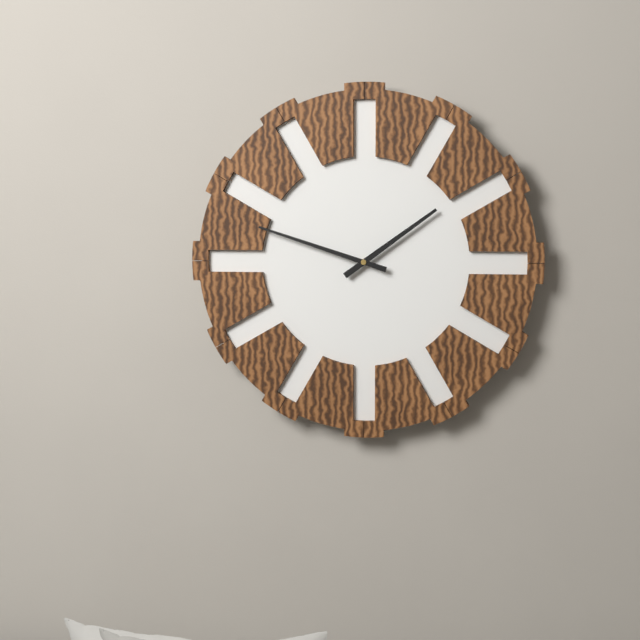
1:48
